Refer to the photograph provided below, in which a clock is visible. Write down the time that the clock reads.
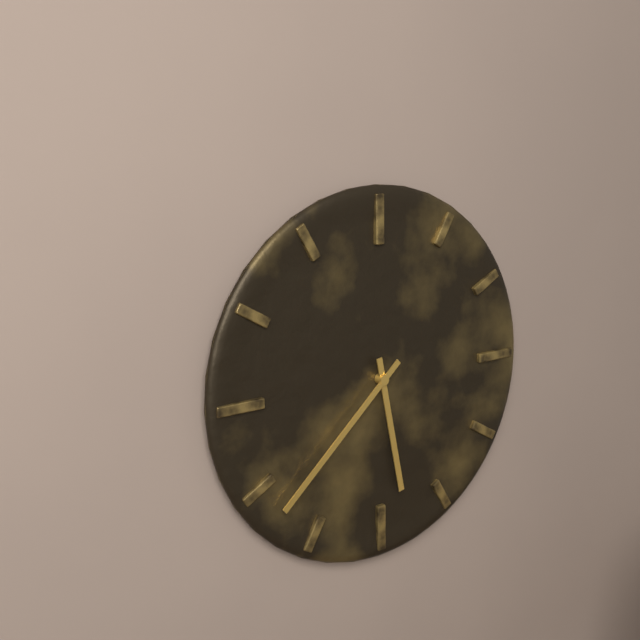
5:38
